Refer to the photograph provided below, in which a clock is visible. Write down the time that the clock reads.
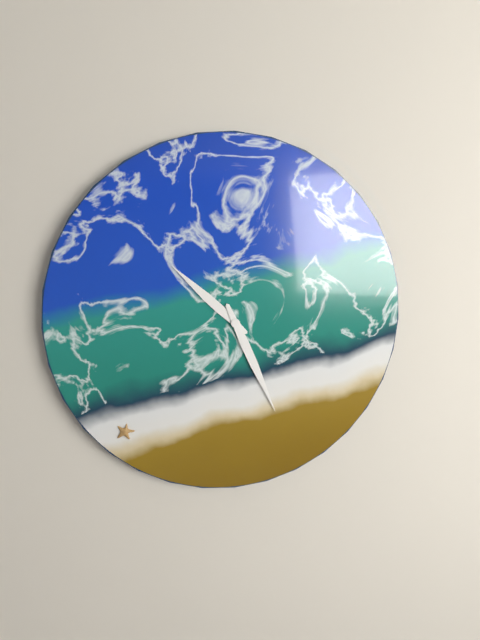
10:26
